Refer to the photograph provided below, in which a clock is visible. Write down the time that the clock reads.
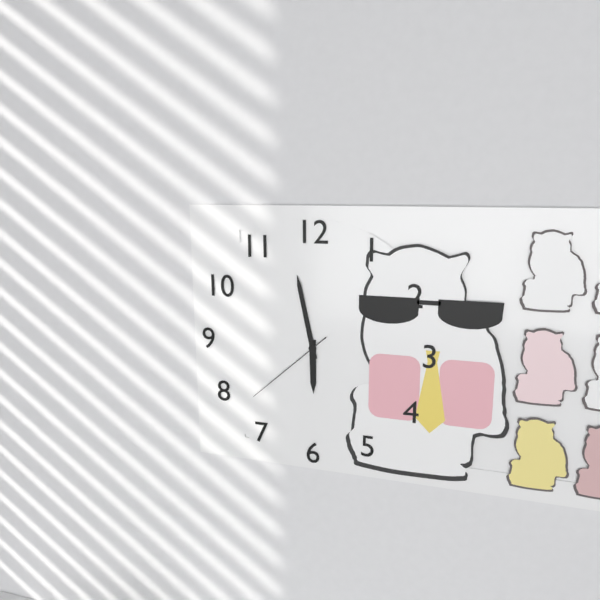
5:58:38
